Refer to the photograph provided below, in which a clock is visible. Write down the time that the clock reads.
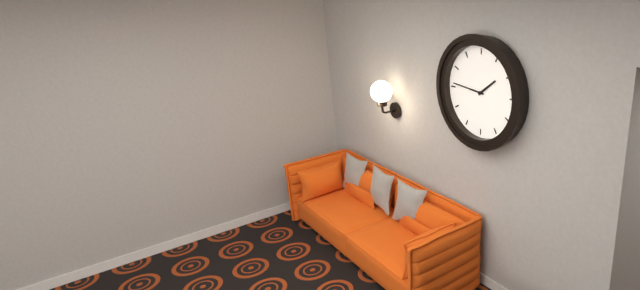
1:46
